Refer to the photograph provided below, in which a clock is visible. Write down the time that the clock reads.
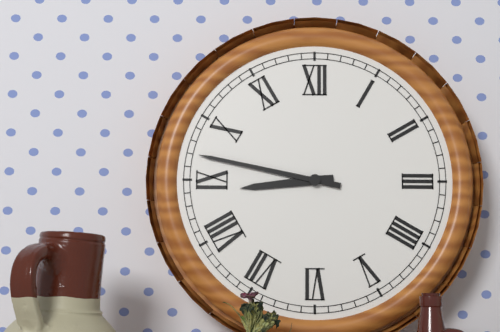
8:47
